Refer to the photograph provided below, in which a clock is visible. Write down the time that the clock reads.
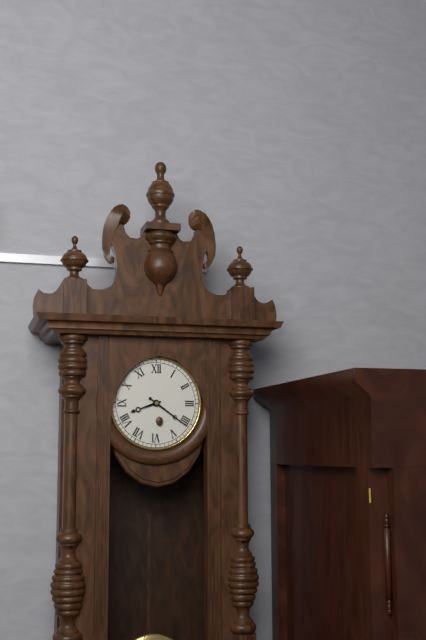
8:21
